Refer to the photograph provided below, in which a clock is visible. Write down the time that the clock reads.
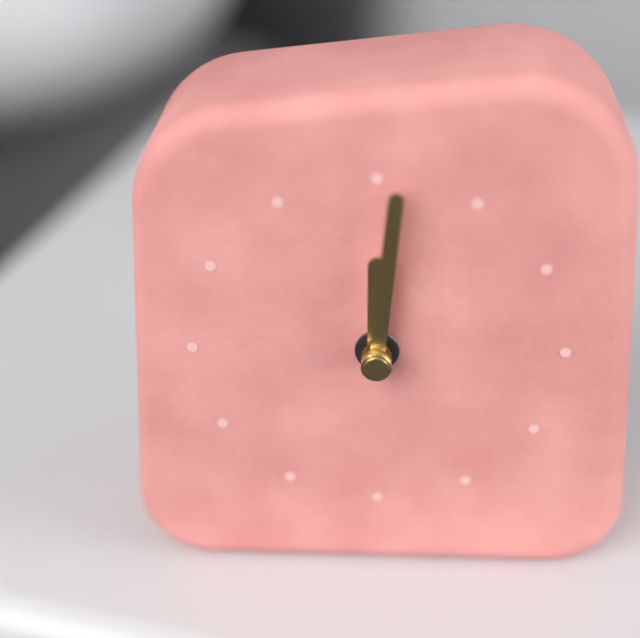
12:01
